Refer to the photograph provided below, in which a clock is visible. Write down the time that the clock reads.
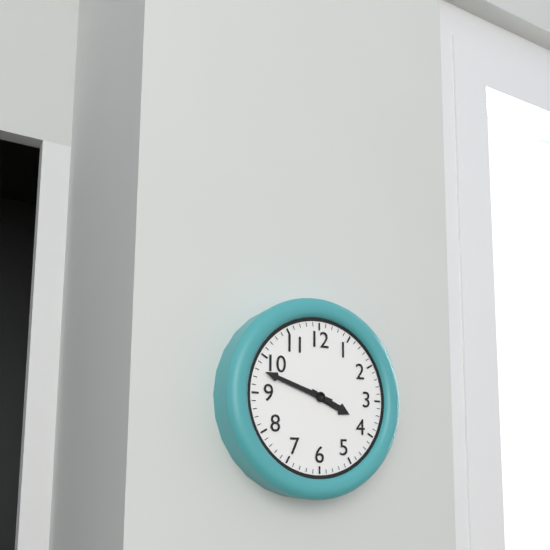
3:48
